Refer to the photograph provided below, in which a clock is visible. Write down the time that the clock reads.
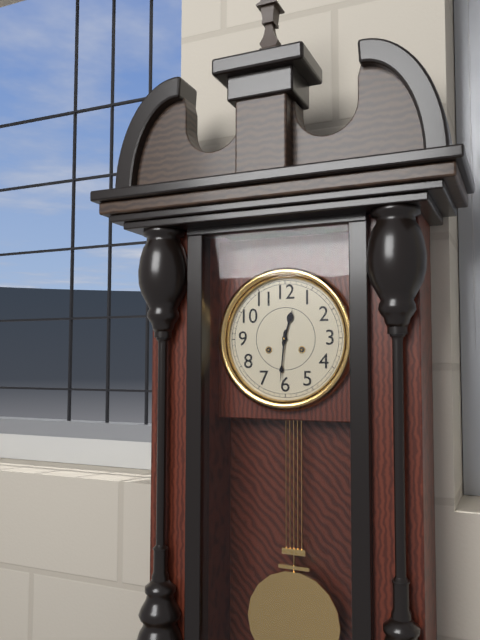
12:31
